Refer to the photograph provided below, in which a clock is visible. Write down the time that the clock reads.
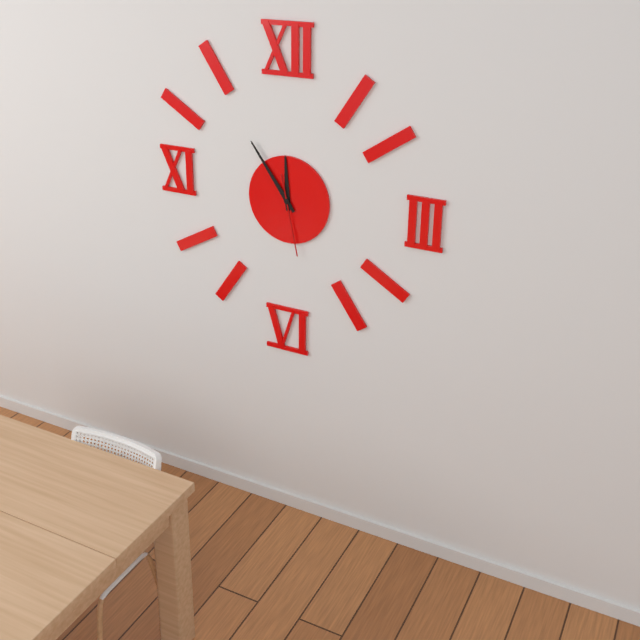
11:54:28
